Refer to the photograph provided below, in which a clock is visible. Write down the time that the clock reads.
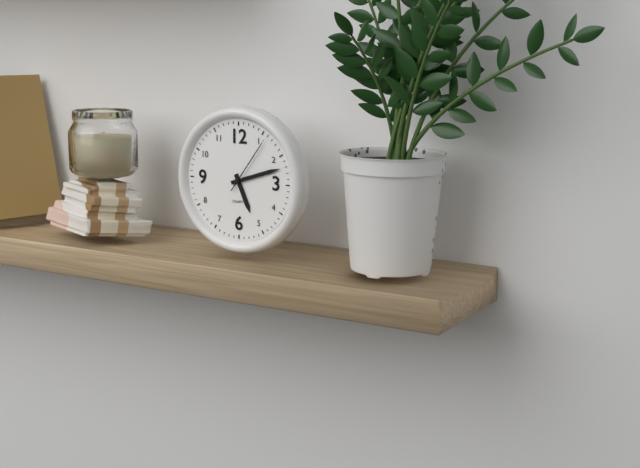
5:12:06
